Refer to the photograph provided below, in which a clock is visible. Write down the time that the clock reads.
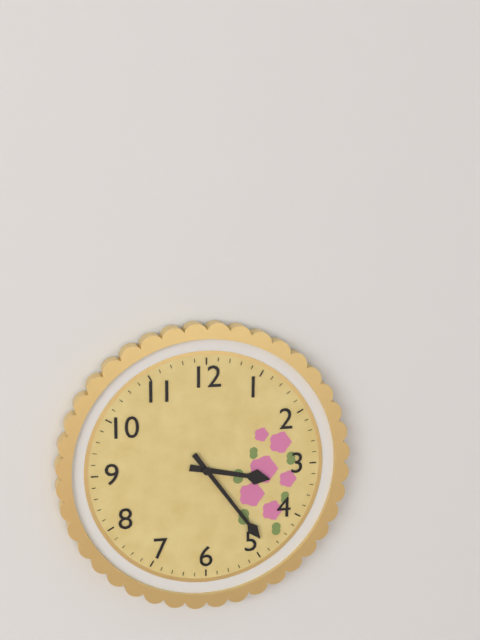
3:24
